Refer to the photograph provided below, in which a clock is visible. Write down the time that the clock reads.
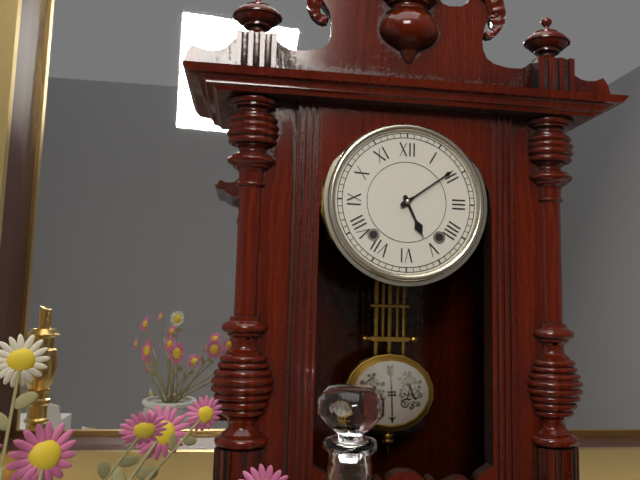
5:09
